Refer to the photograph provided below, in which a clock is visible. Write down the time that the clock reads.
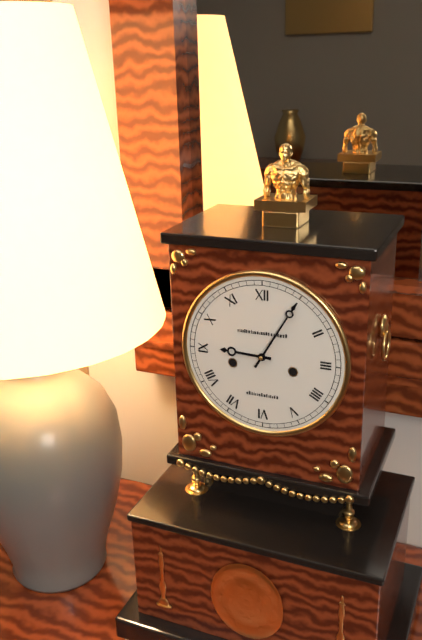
9:05
